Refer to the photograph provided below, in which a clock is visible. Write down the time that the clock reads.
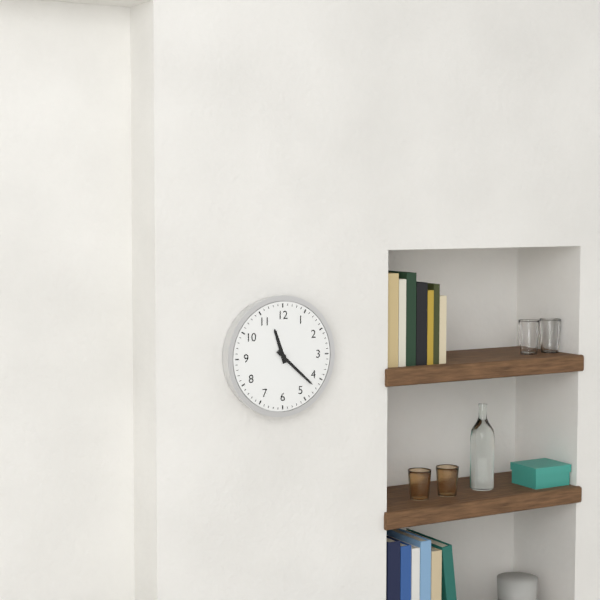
11:22
